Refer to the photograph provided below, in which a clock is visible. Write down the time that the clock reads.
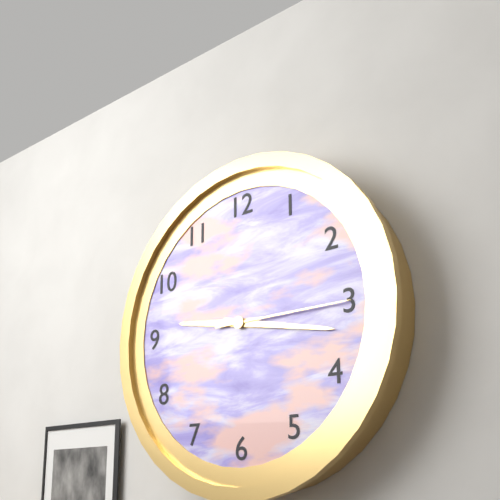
9:17:15
